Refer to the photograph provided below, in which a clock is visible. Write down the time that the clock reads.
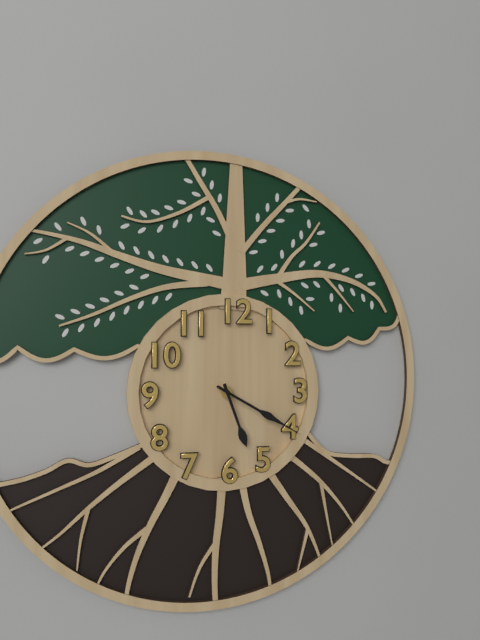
5:20:20
